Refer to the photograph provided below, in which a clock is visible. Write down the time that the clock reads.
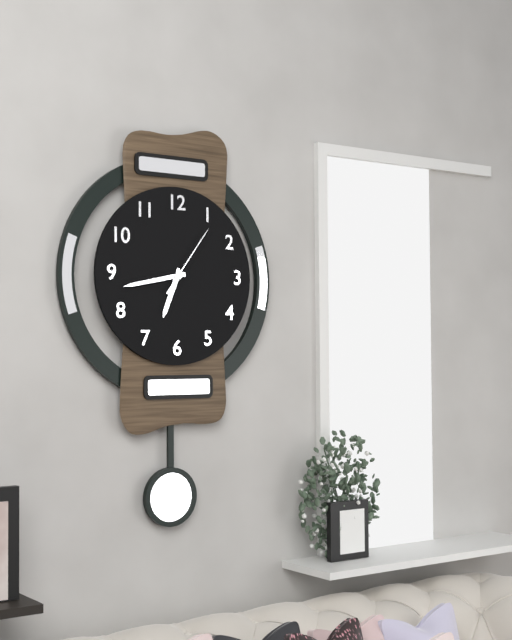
6:43:06
